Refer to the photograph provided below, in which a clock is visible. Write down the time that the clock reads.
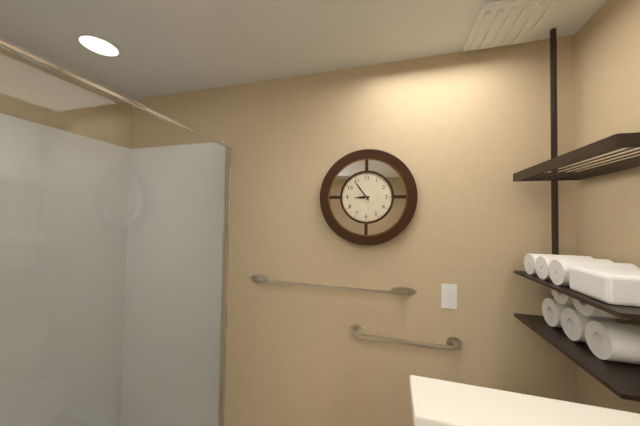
8:54
